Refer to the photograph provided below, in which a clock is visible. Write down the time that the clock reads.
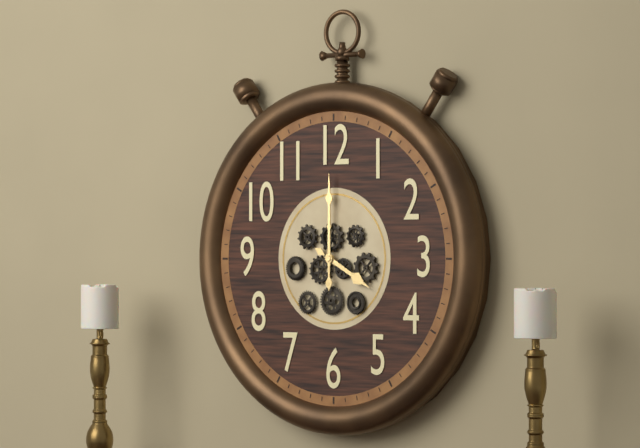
4:00
